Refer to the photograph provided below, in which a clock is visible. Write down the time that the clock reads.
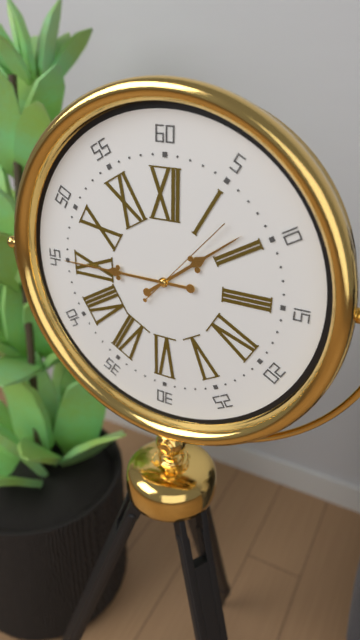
1:45:07
